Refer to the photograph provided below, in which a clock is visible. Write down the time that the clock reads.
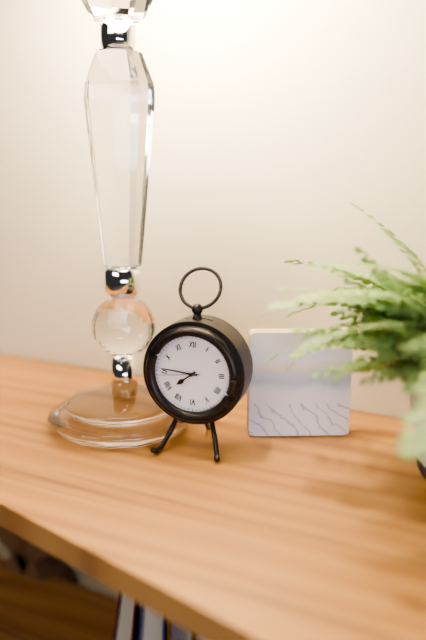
7:46
